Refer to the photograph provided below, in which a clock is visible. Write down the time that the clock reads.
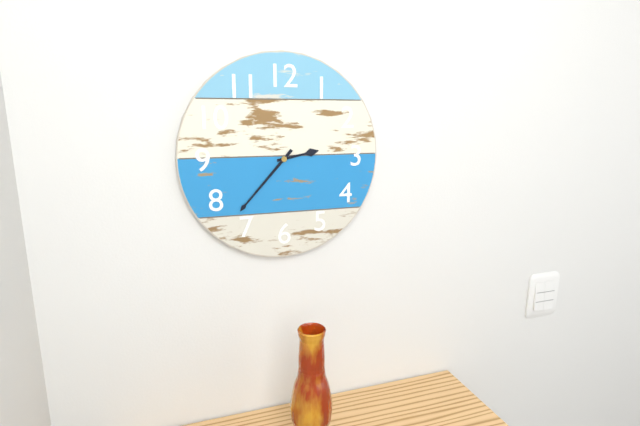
2:37
